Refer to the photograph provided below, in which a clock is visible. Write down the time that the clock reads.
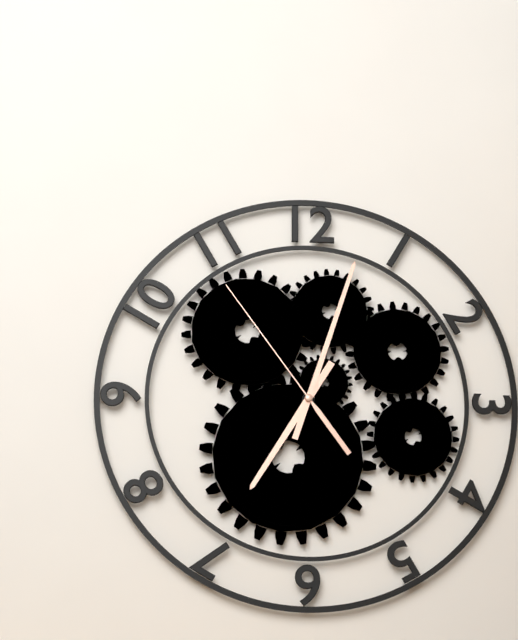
7:03:54
